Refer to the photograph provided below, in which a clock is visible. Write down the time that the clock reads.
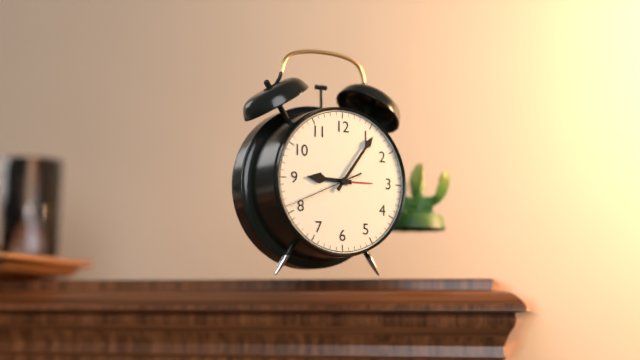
9:06:41
